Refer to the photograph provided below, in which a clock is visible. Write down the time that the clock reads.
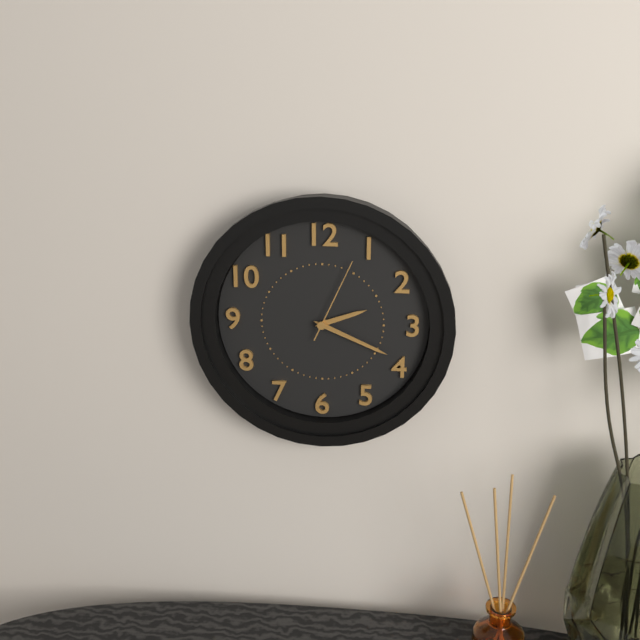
2:19:04
